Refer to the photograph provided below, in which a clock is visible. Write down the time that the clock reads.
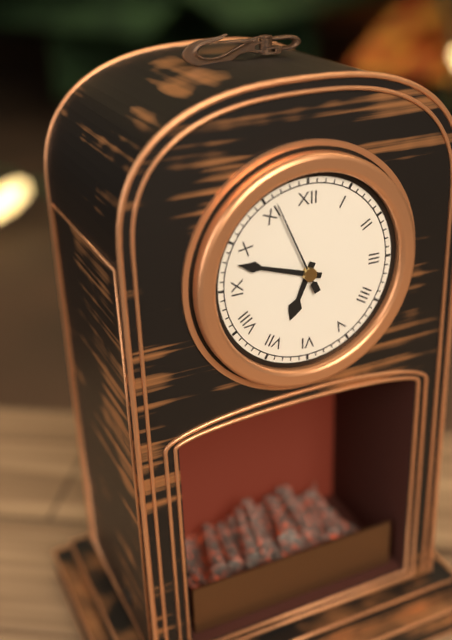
6:48:56
